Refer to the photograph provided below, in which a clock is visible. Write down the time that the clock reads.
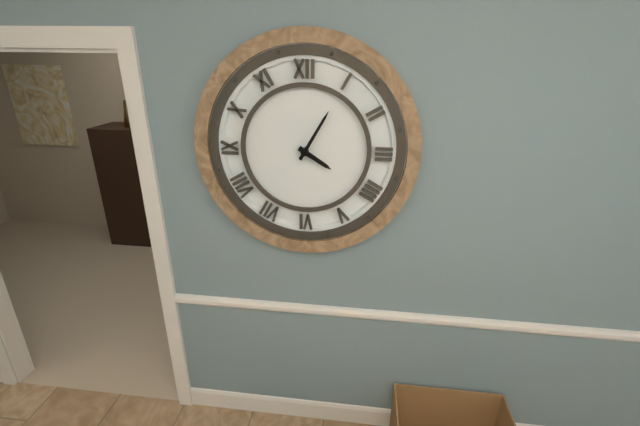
4:05
